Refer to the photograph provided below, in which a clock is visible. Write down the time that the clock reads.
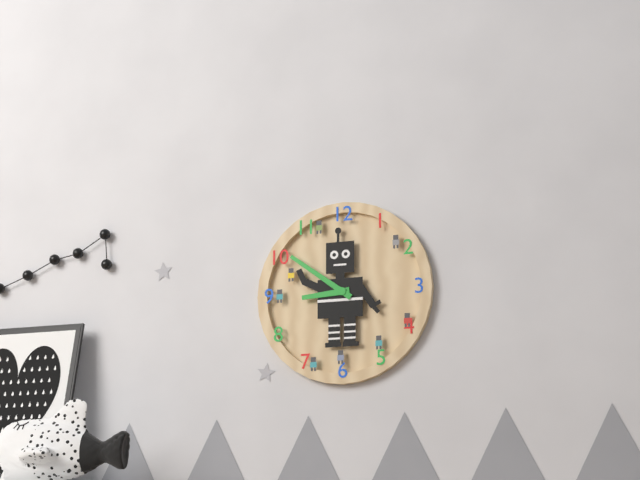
8:51
